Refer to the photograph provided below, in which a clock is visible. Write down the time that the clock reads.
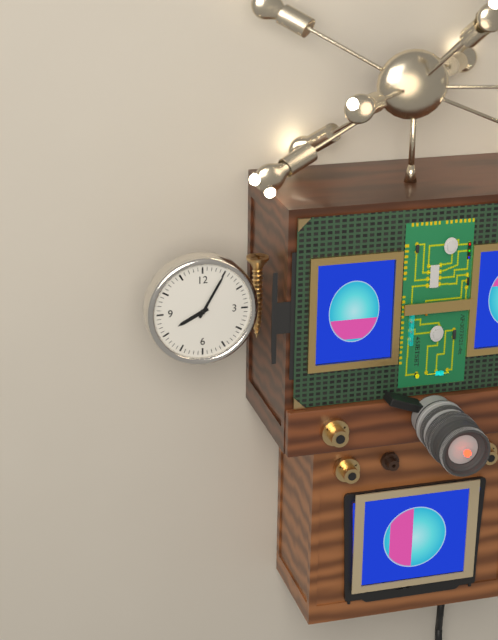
8:05
